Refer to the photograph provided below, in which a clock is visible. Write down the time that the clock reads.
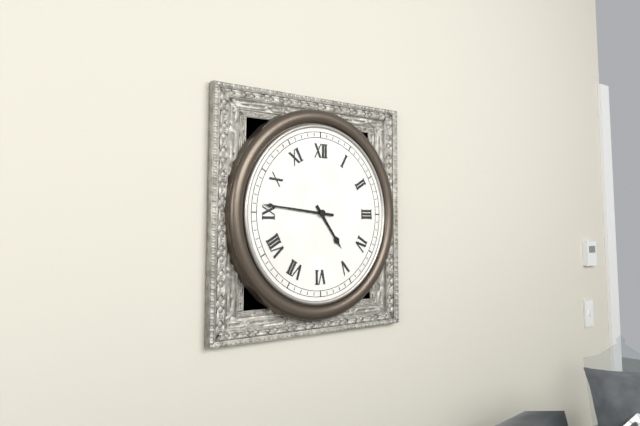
4:46
